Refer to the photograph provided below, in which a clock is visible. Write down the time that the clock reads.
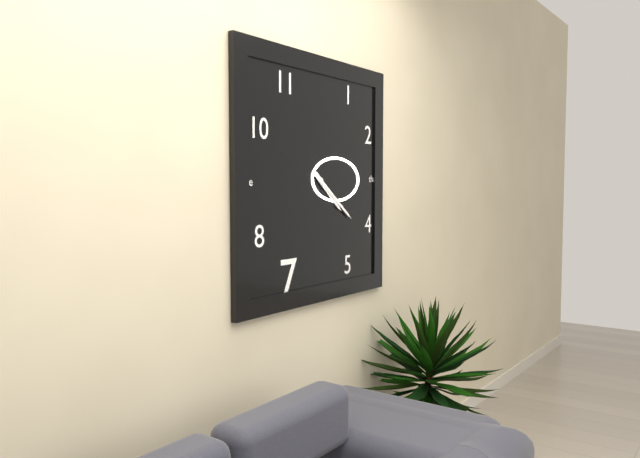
4:21
